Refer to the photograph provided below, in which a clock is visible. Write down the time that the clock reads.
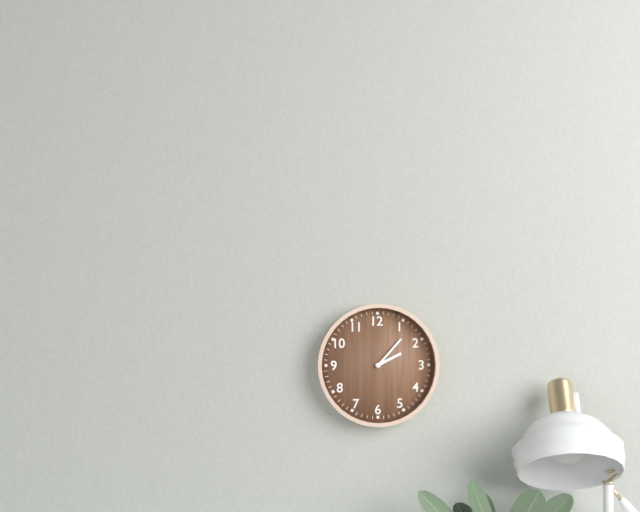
2:07
